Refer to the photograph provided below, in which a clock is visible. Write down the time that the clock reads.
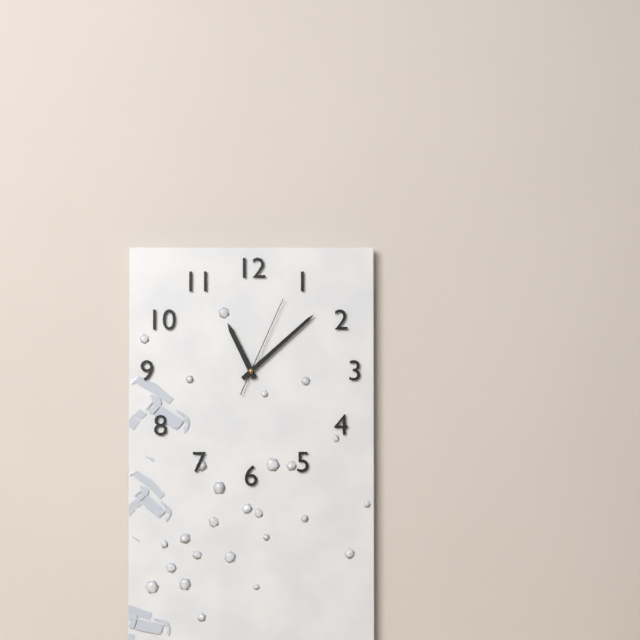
11:08:04
